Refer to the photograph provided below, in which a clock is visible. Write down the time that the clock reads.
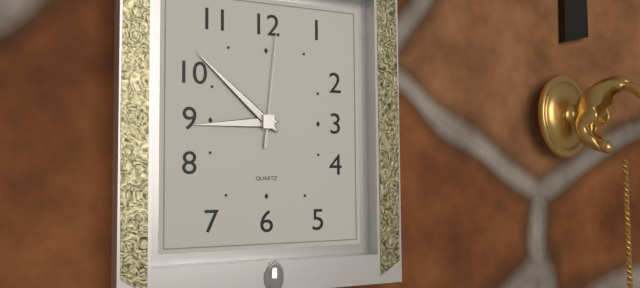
8:52:01
